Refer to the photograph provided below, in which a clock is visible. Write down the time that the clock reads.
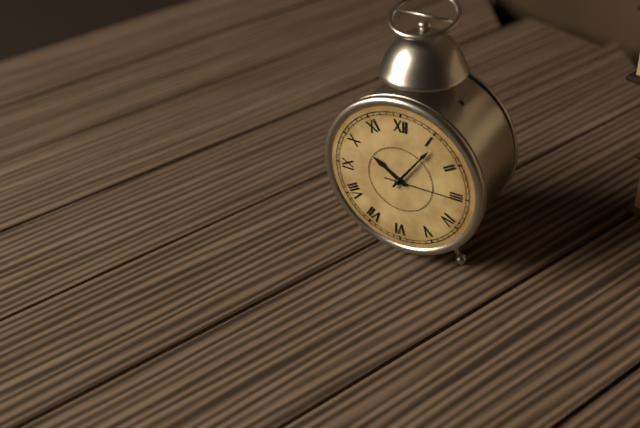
10:06:15
